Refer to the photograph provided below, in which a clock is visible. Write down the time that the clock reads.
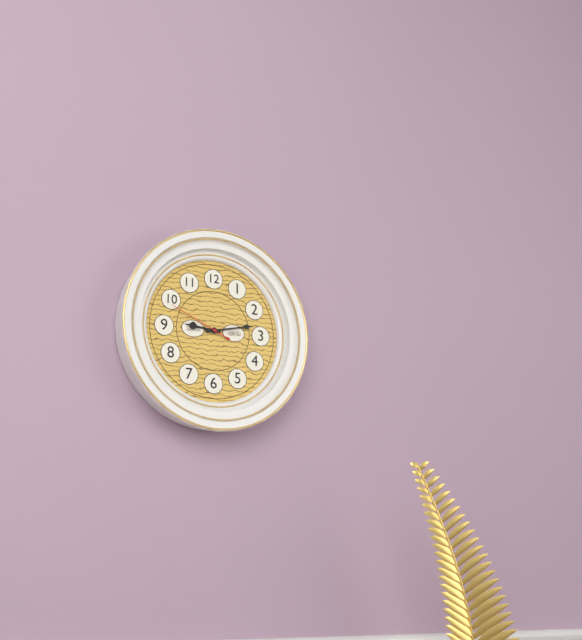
9:13:49
